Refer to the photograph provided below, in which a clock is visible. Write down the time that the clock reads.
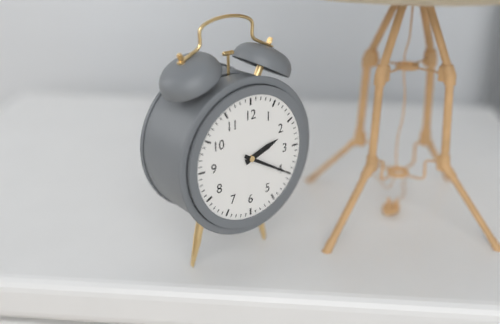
2:20
